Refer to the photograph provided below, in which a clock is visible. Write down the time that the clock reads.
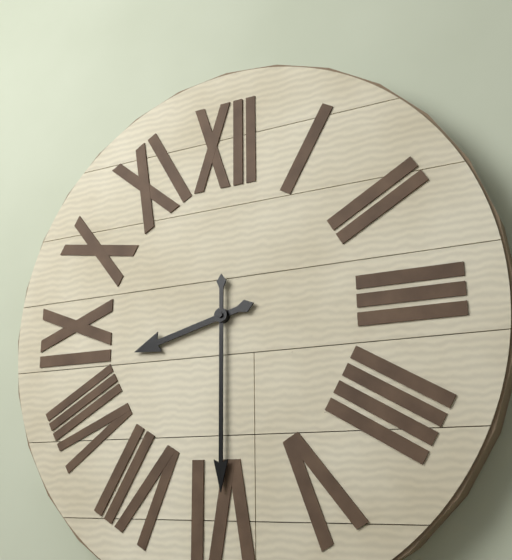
8:30
